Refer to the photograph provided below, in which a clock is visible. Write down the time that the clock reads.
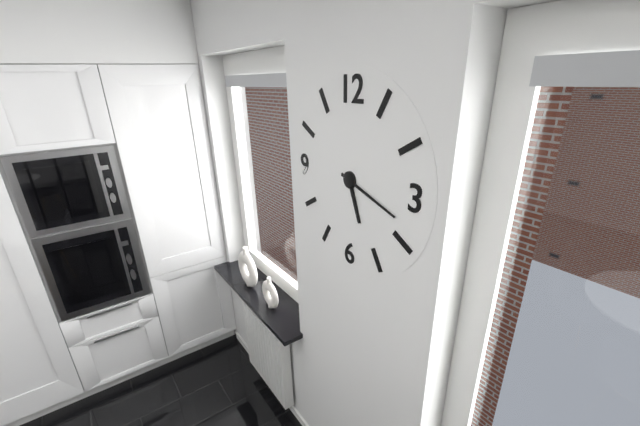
5:18
